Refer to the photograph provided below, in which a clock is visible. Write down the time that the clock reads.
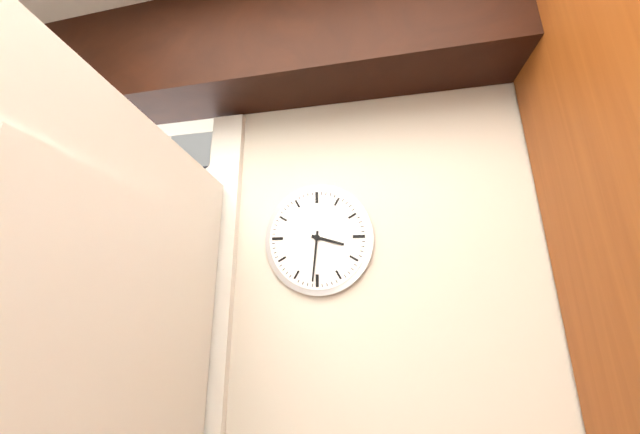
3:31
